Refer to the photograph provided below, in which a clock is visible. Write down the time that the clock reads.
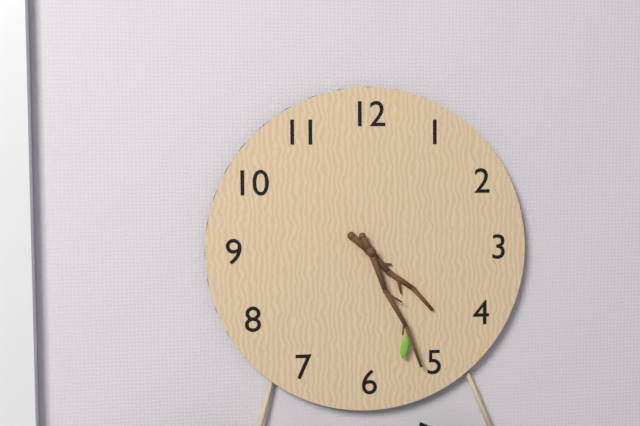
4:26
